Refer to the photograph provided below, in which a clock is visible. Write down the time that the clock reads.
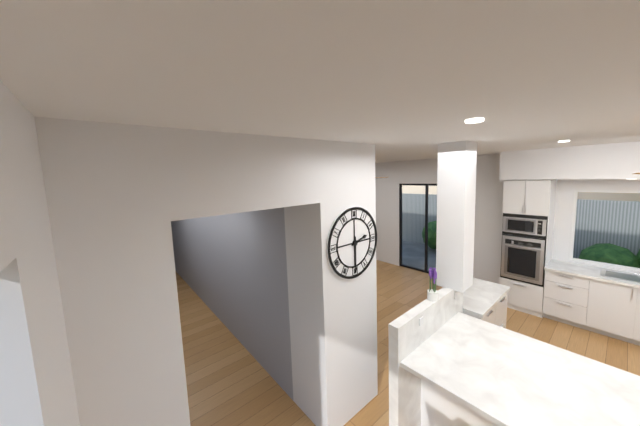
2:30
